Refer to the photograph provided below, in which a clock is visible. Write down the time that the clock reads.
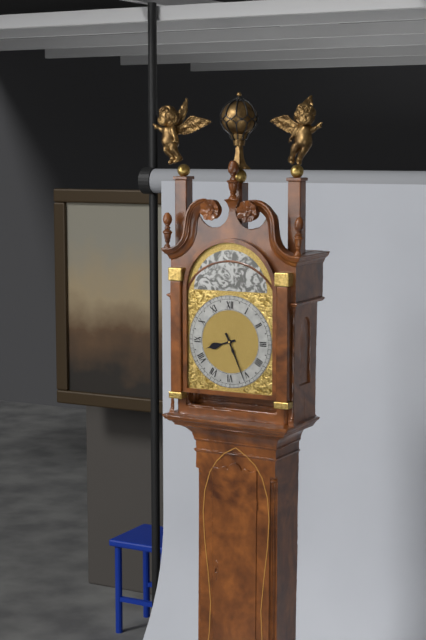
8:26
